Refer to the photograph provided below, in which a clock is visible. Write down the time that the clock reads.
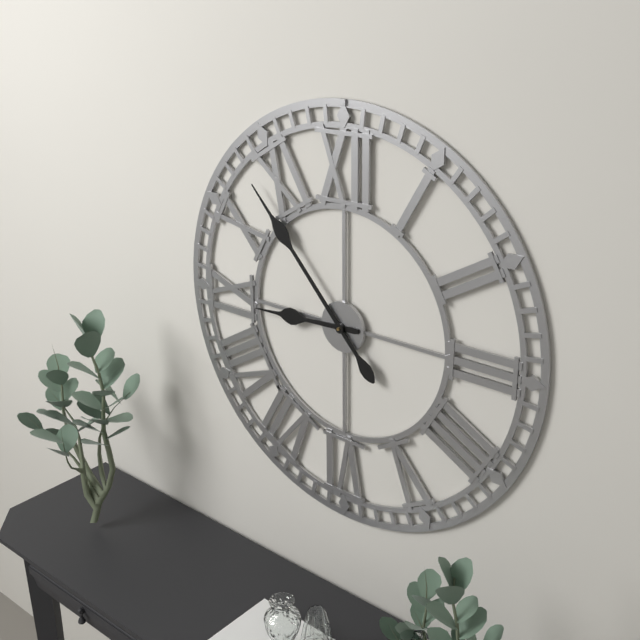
8:53
